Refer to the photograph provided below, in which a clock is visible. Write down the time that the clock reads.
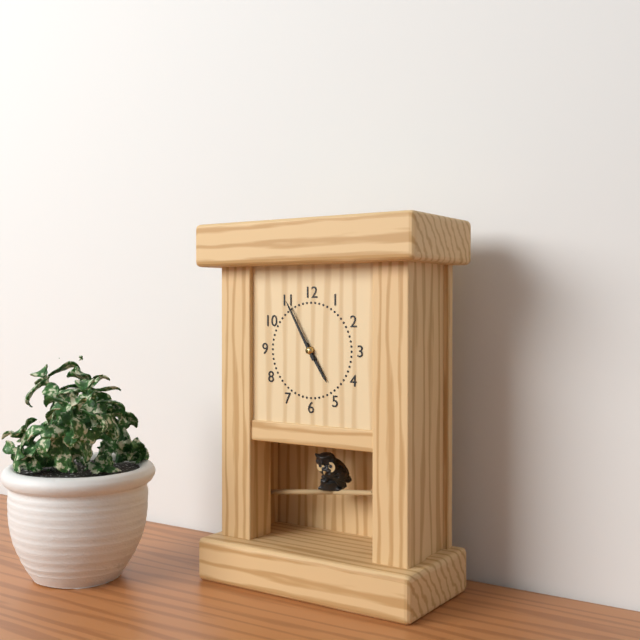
4:55
